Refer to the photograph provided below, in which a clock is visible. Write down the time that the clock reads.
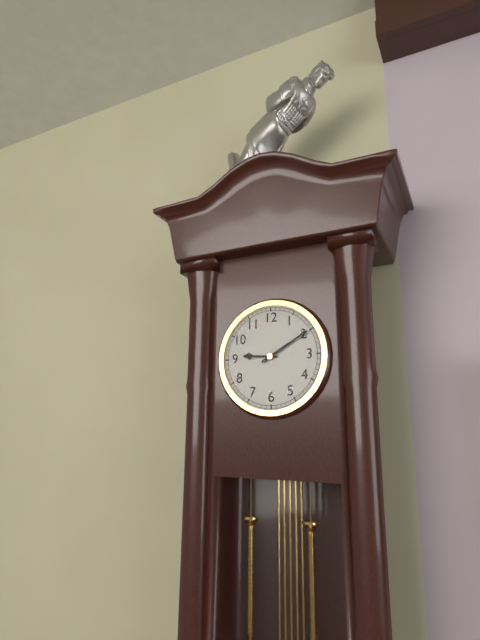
9:10
